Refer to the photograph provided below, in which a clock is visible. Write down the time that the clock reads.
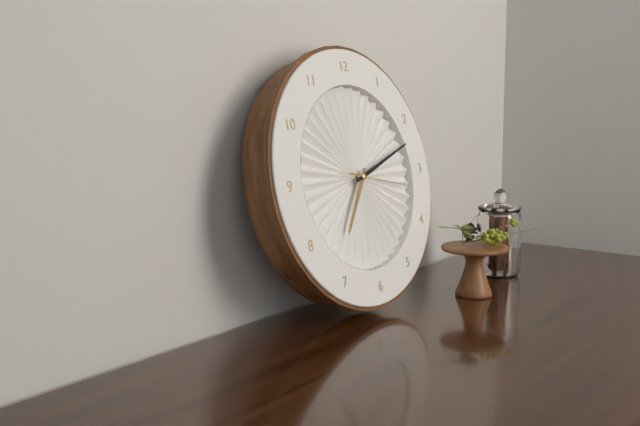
7:12:17
